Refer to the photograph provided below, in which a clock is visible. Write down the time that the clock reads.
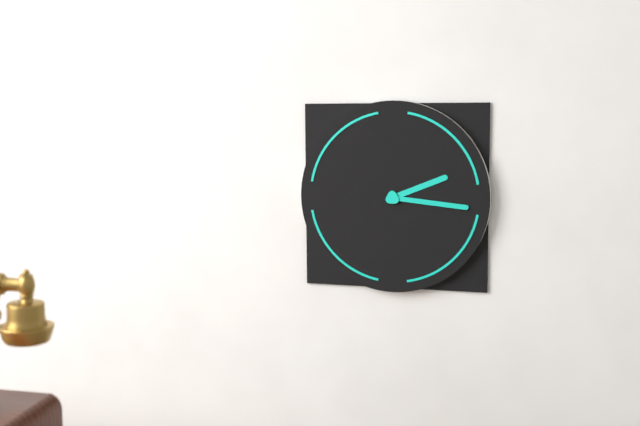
2:16
